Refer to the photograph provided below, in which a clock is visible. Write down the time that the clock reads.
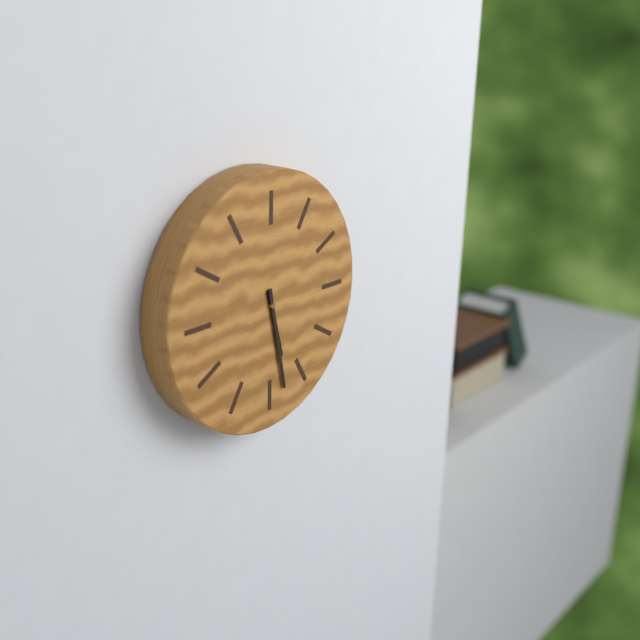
5:28
